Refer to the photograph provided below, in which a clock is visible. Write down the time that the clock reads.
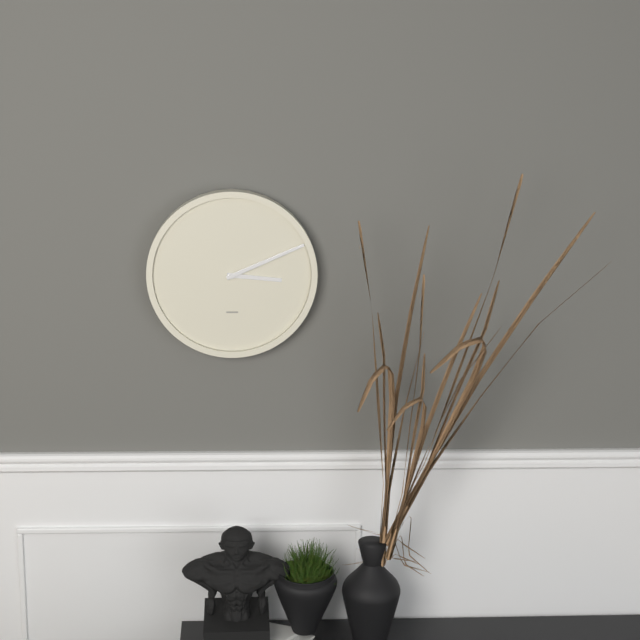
3:11
